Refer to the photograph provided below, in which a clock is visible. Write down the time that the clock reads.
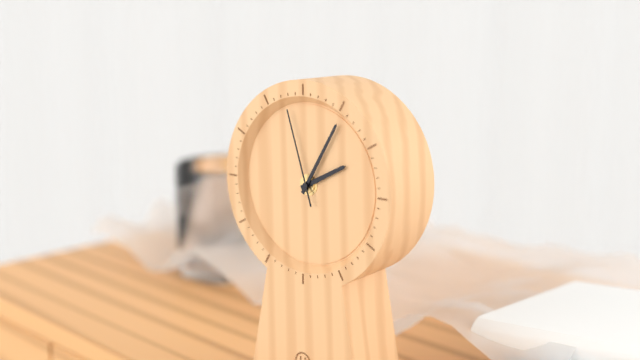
2:05:57
